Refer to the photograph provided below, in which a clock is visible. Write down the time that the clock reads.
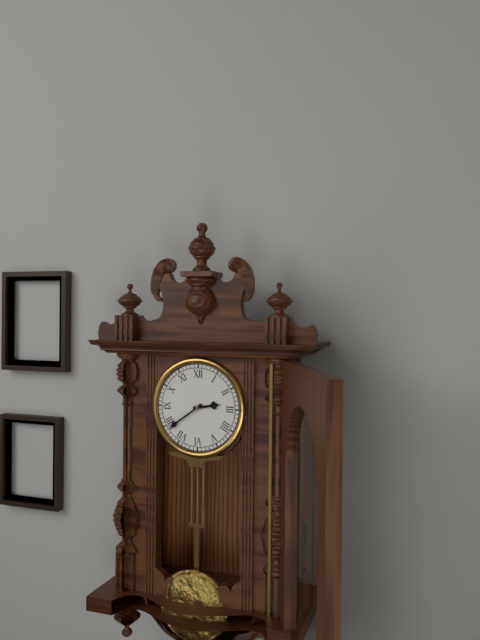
2:39
